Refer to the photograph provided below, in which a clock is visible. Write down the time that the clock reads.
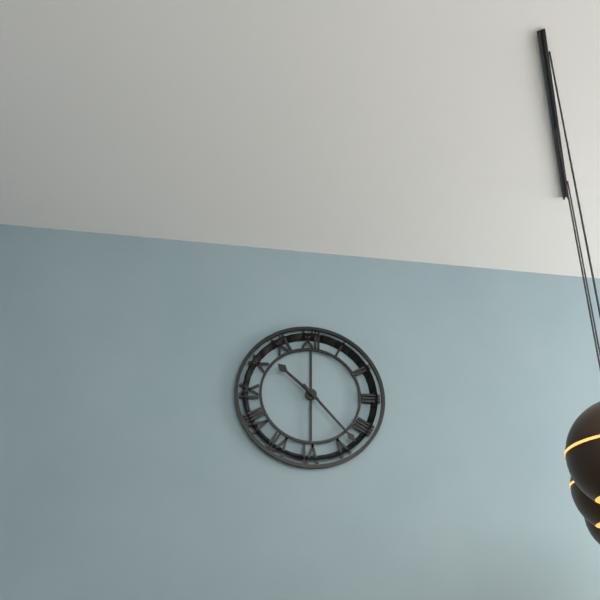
10:23
